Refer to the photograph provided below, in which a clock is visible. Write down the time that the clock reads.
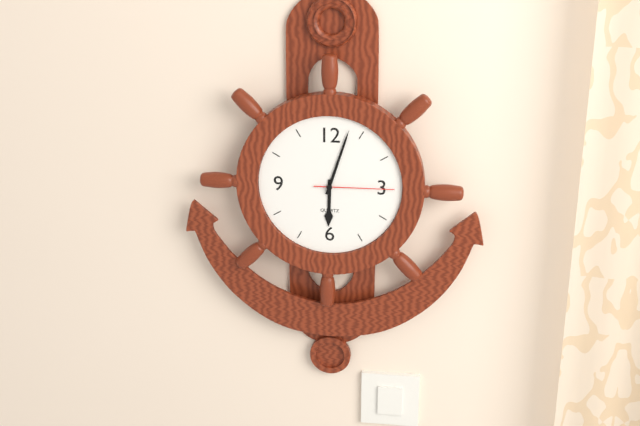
6:03:15
